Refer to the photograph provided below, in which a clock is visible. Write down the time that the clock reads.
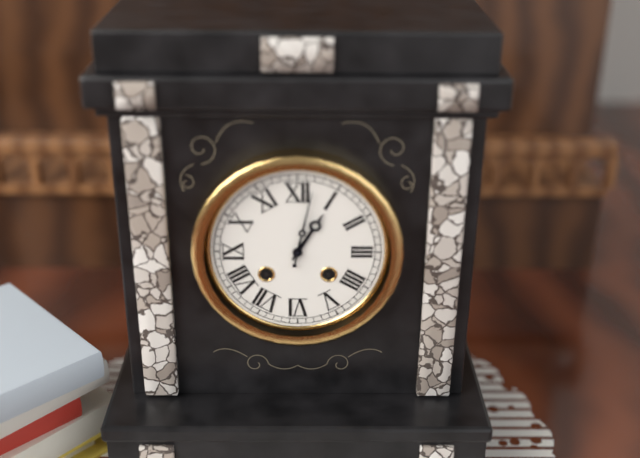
1:02
